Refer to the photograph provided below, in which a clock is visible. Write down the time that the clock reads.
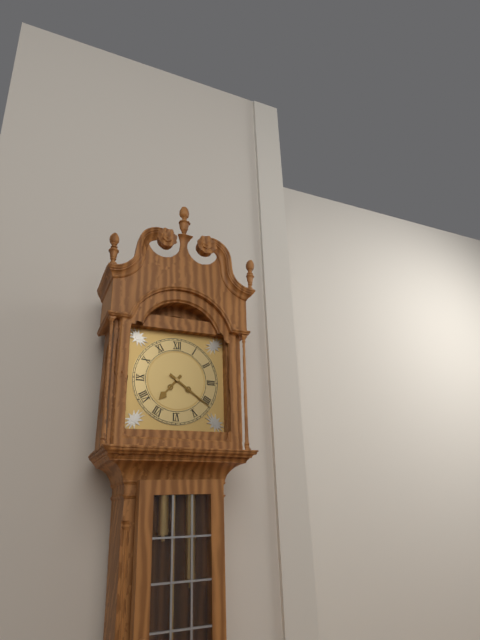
7:21
